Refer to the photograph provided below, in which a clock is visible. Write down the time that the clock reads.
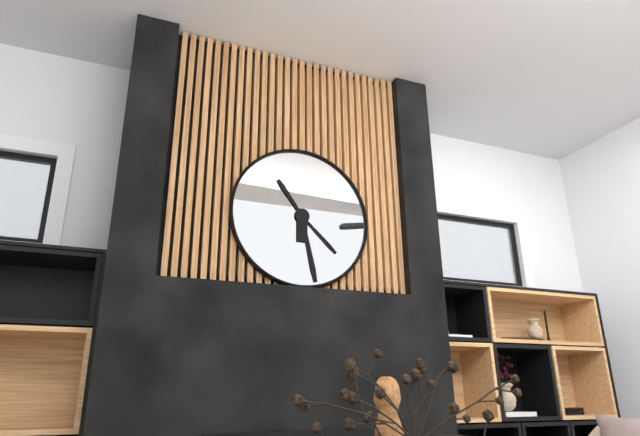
4:28:54
